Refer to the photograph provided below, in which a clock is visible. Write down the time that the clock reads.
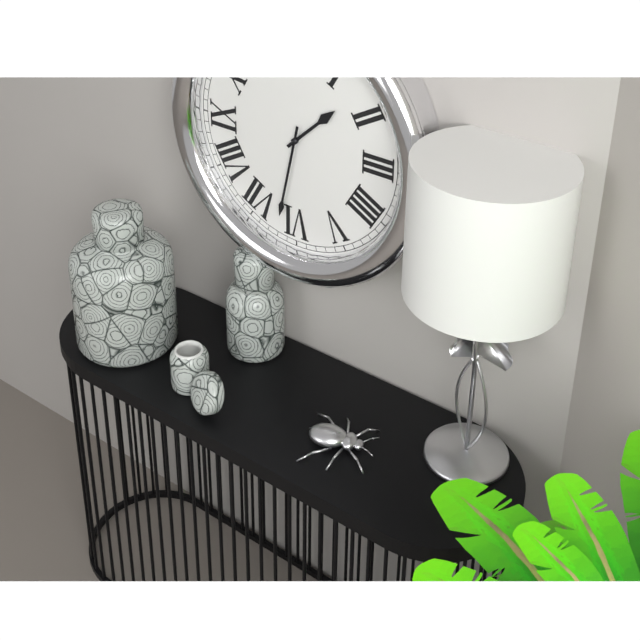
1:32
